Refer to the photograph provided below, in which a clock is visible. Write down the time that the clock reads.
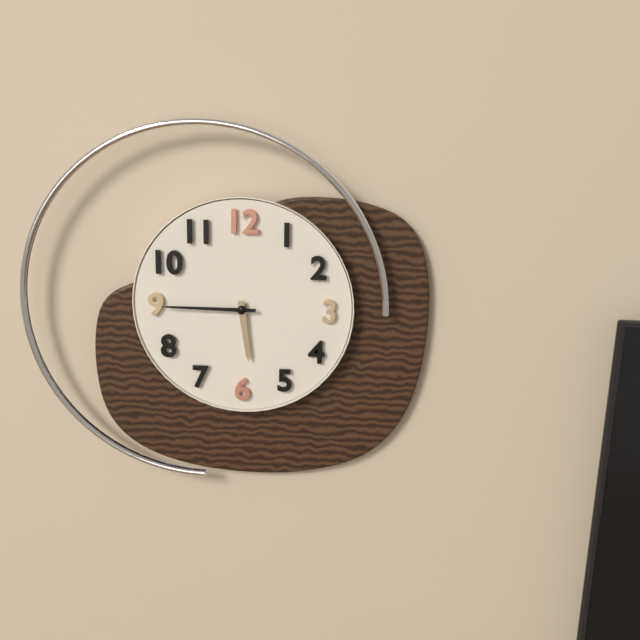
5:45
